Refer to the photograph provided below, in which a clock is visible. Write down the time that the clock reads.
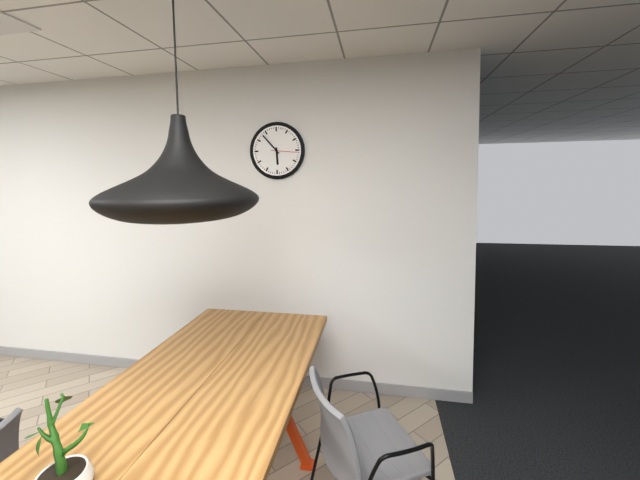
5:53
